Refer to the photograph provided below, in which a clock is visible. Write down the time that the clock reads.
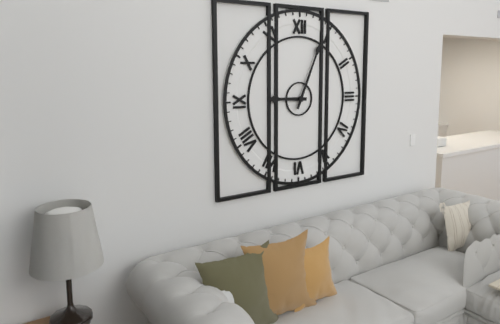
9:04
